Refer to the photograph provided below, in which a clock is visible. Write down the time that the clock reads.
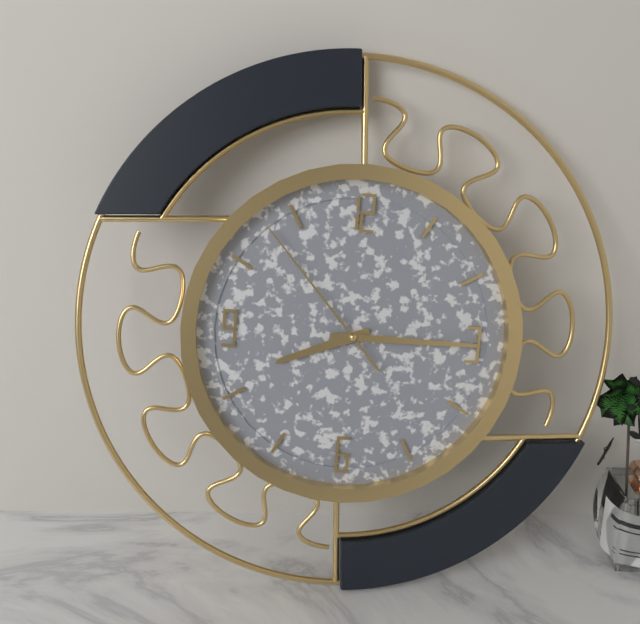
8:15:53
